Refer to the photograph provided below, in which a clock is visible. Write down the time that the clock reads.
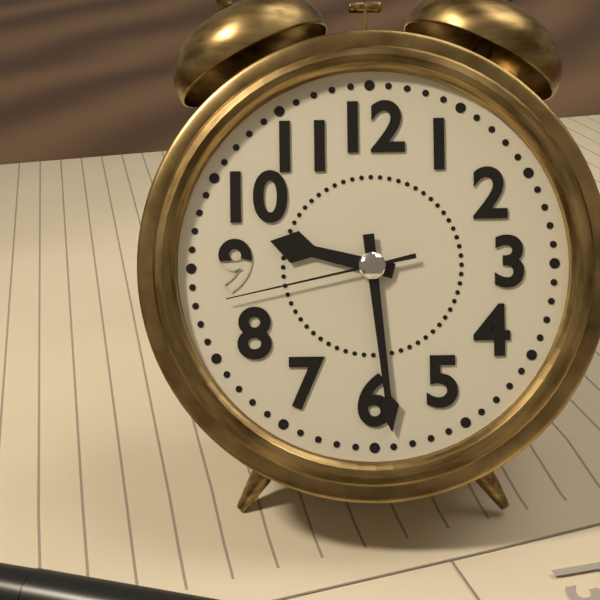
9:29:43
